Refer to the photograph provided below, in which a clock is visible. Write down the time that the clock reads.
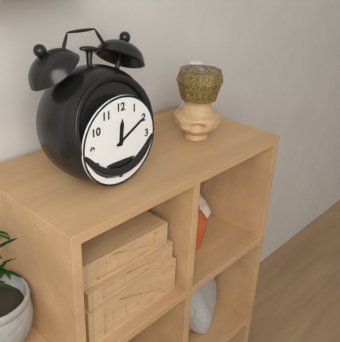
12:10
